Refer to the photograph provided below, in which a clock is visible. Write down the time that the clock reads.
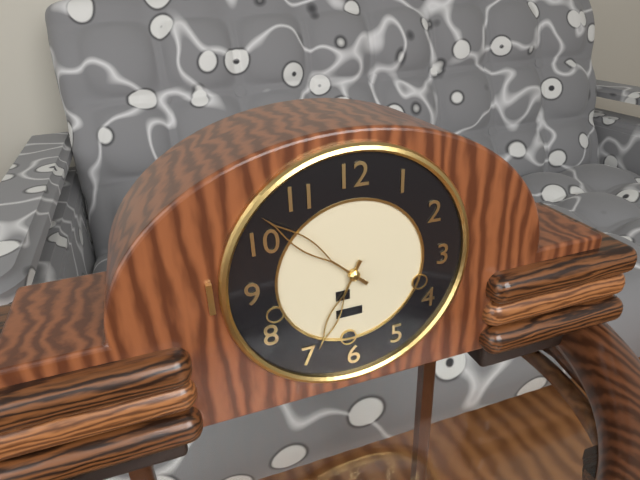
6:52
